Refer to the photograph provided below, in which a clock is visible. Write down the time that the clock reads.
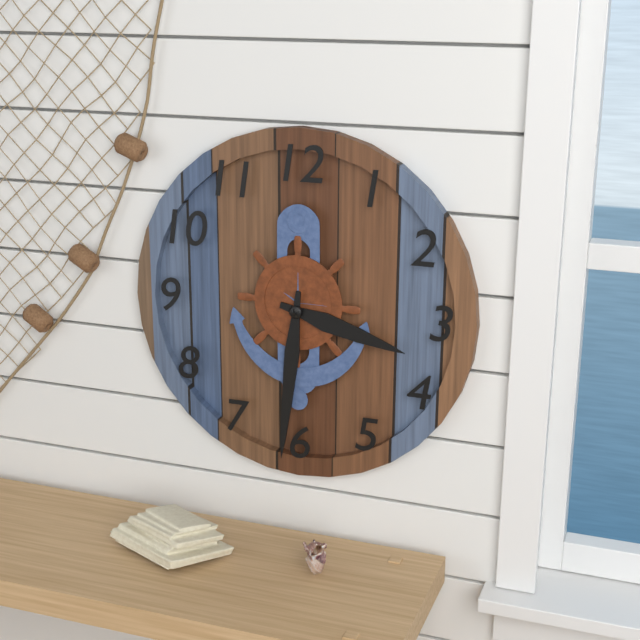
3:31
